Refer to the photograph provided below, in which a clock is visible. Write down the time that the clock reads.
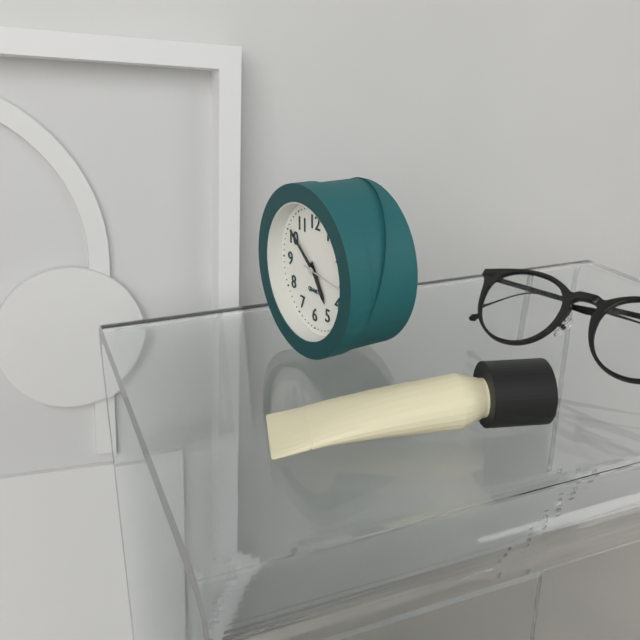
4:51
